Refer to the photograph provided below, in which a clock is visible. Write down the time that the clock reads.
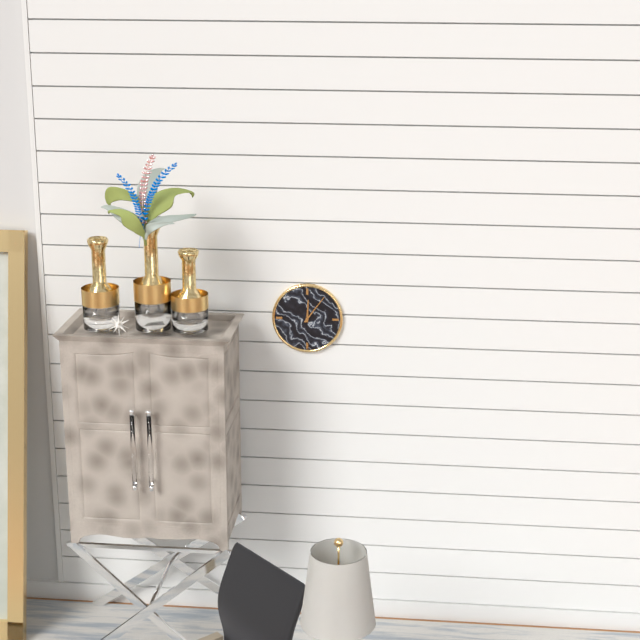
12:06
